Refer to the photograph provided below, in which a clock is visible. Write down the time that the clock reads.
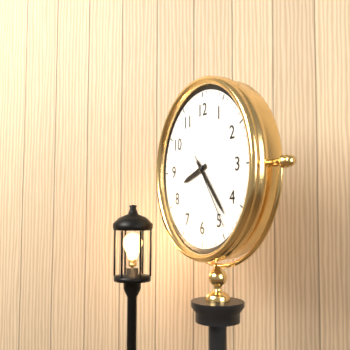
8:23:24
